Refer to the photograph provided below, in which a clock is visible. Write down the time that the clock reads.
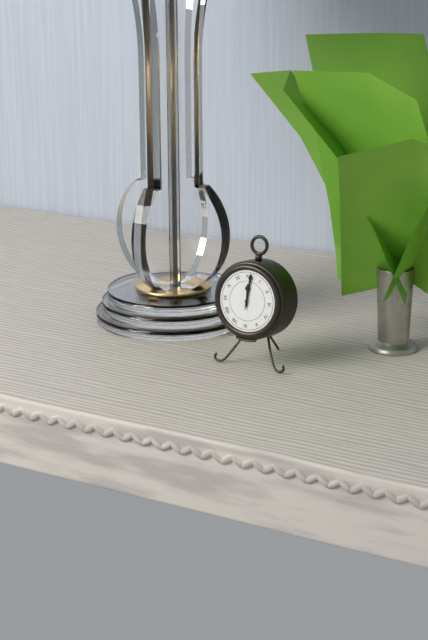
12:01
